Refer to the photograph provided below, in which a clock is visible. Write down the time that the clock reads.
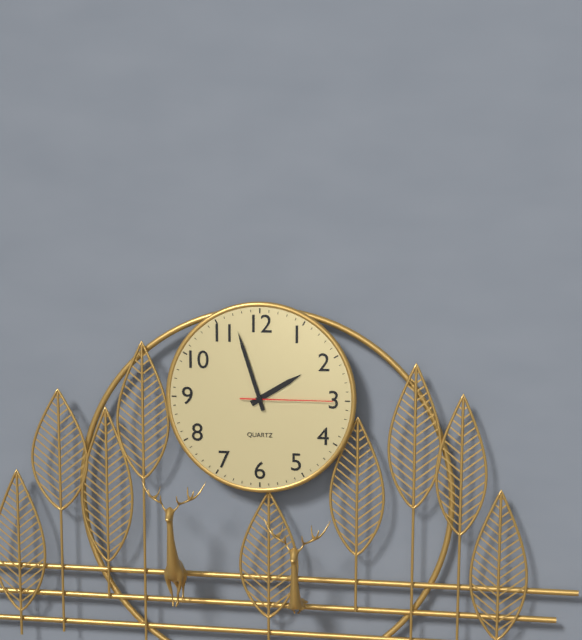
1:57:15
